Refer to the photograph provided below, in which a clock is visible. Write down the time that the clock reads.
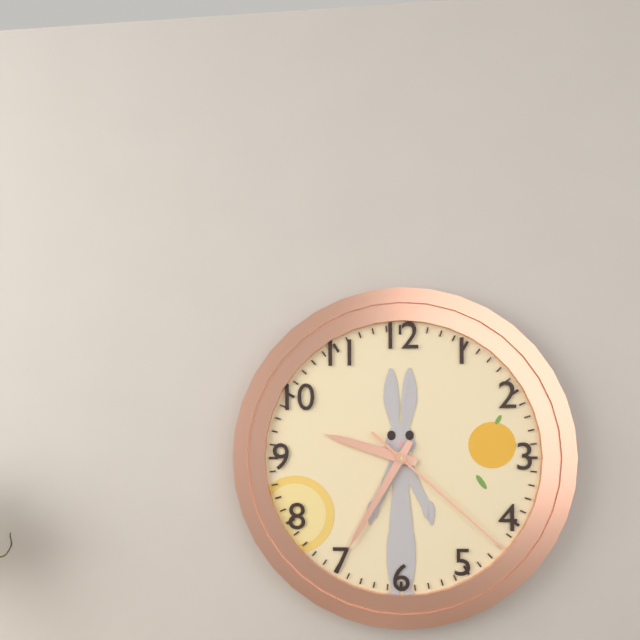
9:35:22
